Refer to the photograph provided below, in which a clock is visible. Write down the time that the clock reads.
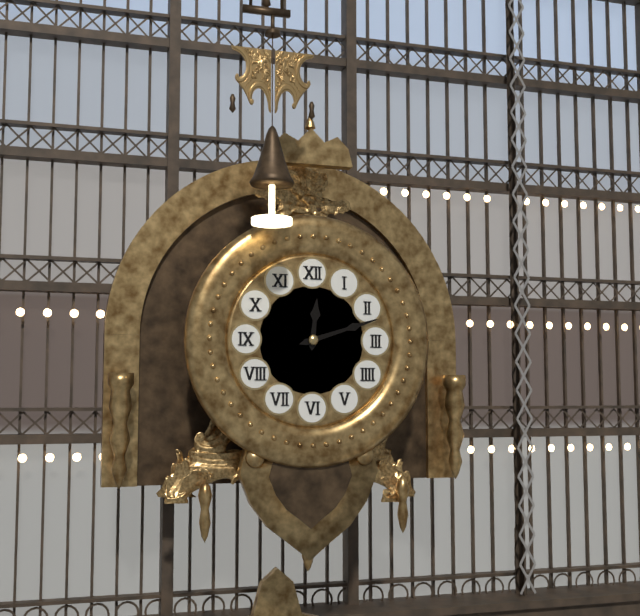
12:12
